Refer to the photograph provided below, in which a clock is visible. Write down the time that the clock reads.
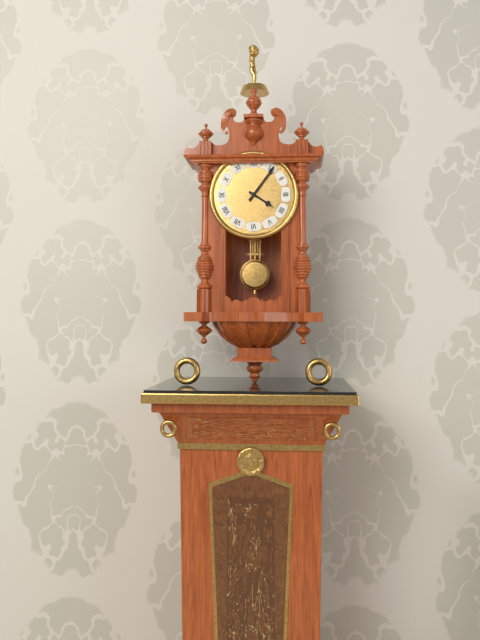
4:06
